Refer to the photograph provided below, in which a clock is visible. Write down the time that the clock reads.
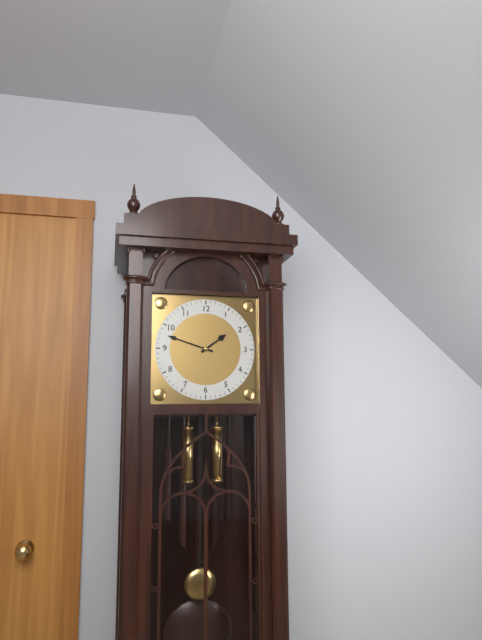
1:48
